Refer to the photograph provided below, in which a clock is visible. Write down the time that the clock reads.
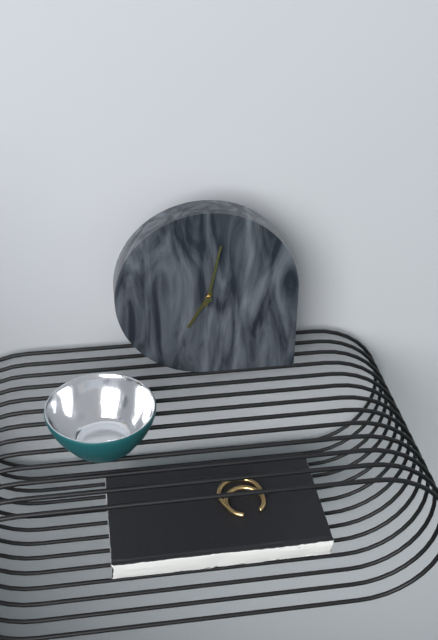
7:02
